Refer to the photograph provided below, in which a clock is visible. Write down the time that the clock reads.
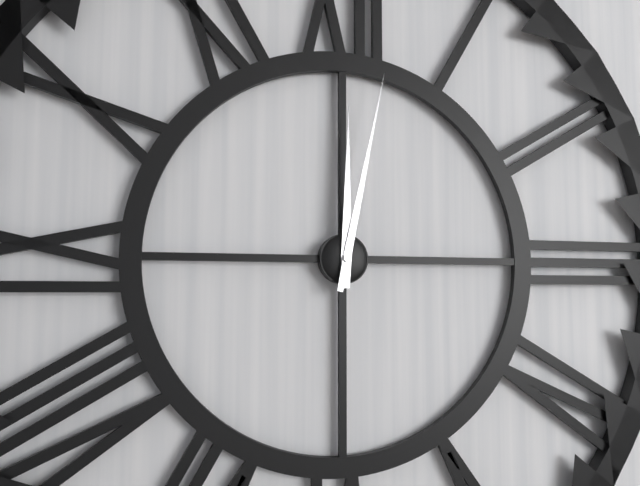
12:02
